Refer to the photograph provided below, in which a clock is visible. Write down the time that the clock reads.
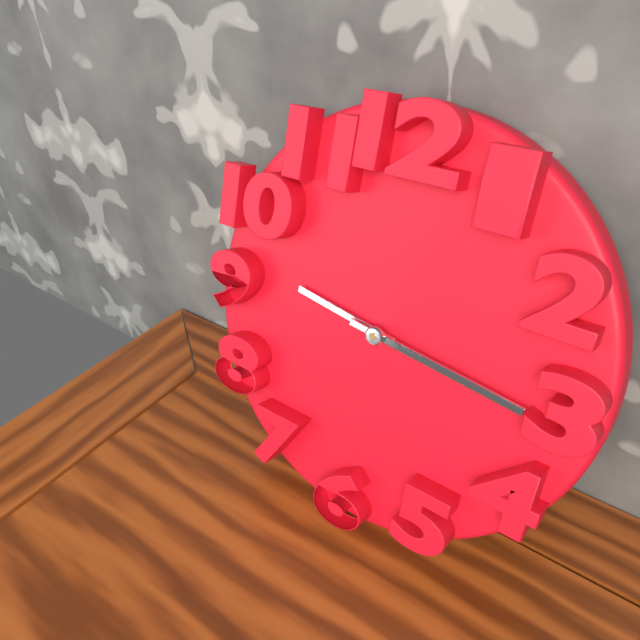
9:16
